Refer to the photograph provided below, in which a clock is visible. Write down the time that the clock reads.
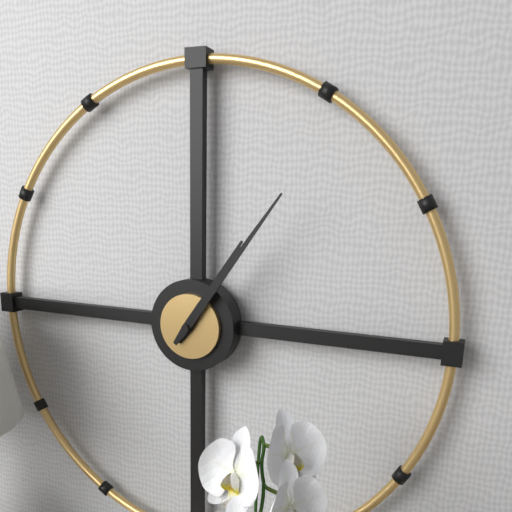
1:06
